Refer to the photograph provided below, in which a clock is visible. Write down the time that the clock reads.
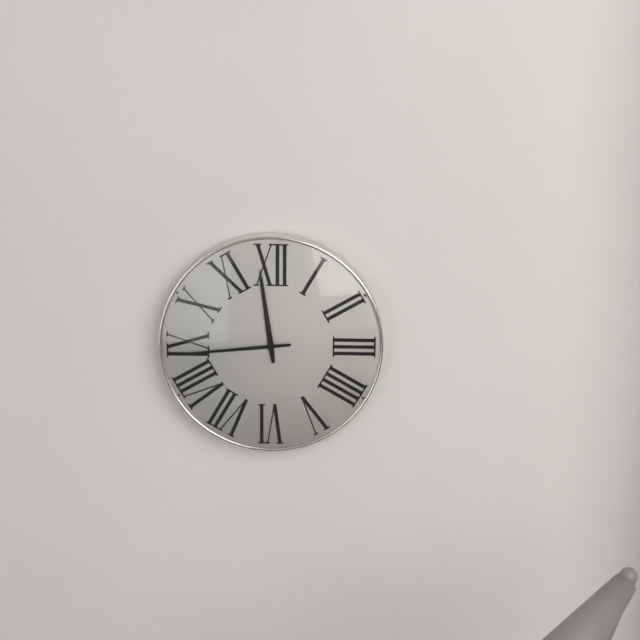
11:44
